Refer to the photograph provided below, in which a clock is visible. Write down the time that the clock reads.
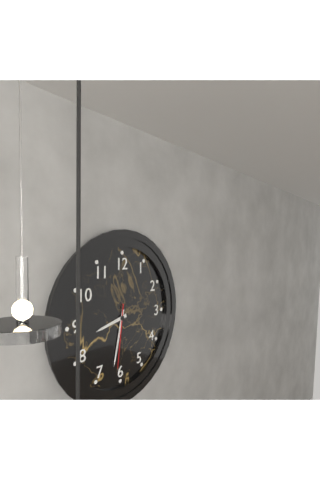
8:32:31
